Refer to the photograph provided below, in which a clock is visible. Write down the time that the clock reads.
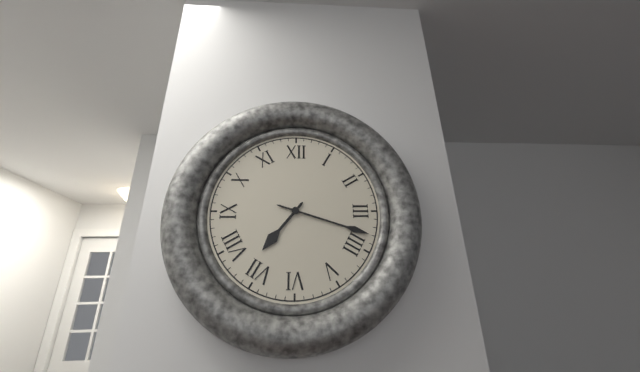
7:18
